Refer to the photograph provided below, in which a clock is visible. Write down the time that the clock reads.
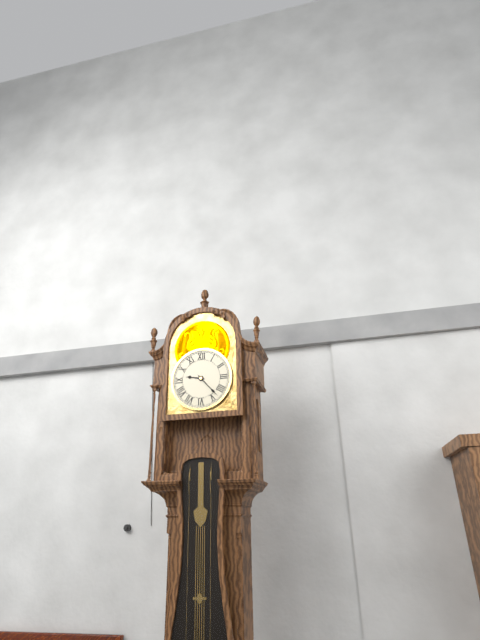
9:23
